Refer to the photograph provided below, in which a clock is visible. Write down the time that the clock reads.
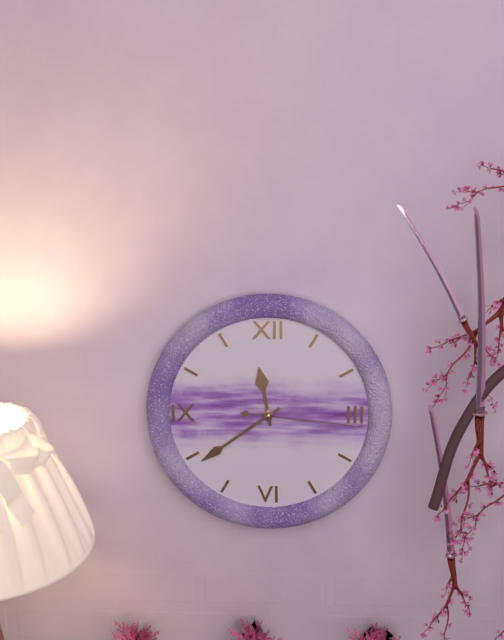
11:39:16
